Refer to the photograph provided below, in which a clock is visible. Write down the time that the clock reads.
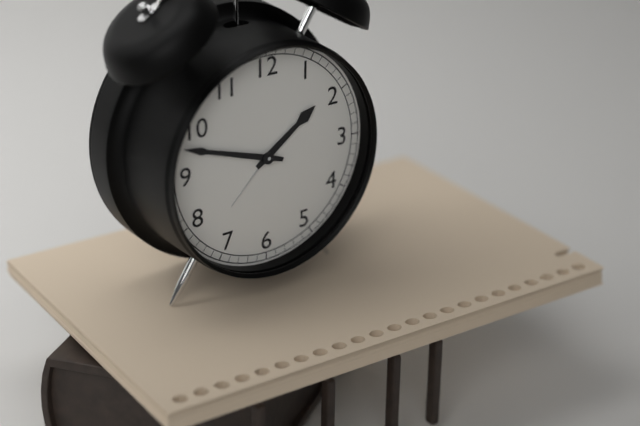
1:48
